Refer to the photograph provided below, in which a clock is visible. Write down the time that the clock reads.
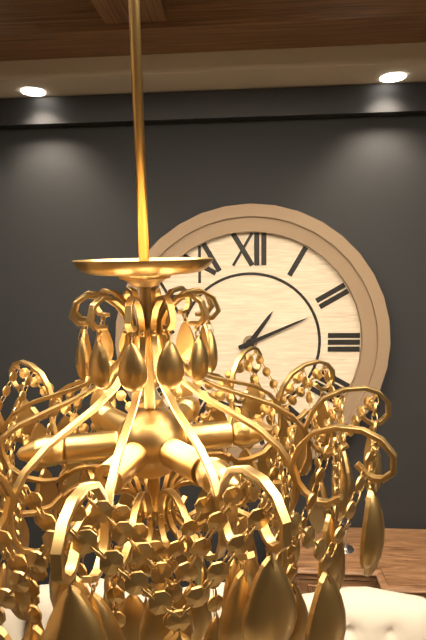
1:11
